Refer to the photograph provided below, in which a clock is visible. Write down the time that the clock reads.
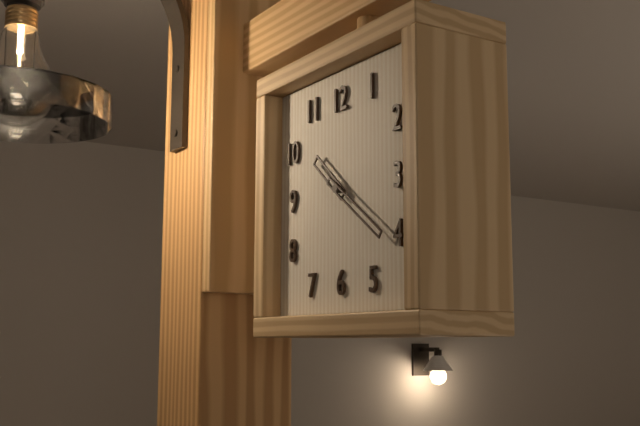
10:21
